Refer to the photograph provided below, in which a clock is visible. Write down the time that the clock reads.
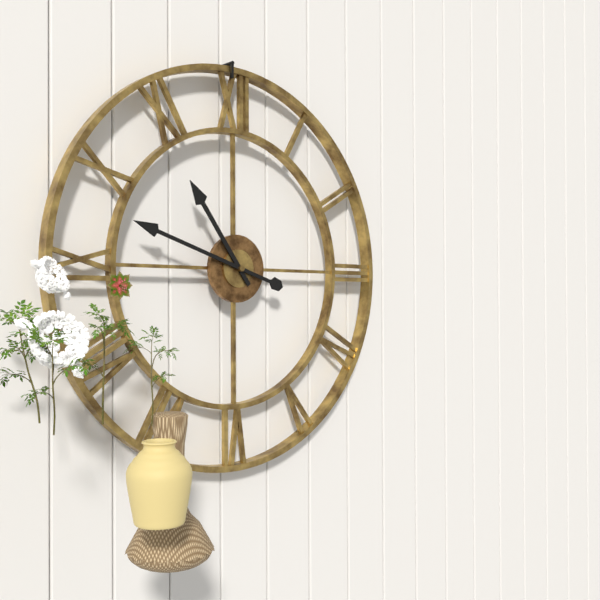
10:48
